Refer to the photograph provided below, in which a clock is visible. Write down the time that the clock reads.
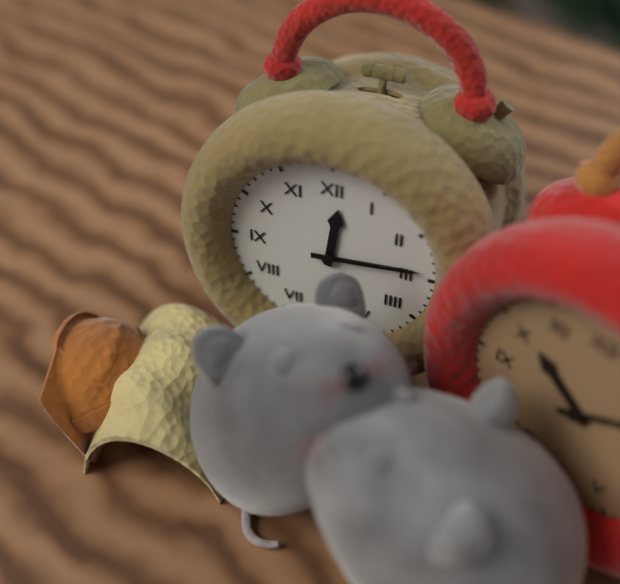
12:14
